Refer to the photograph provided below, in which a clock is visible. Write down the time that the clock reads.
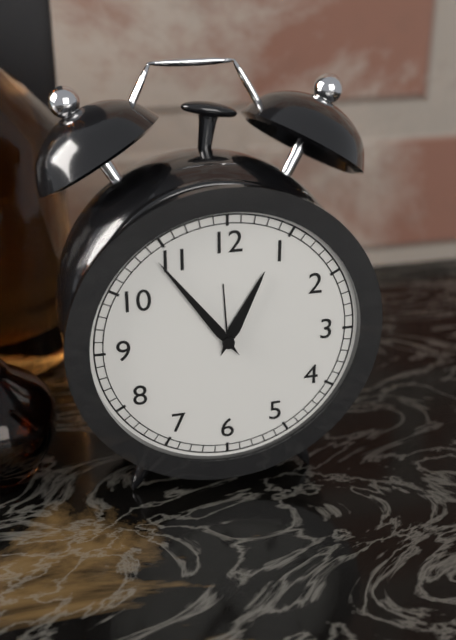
12:54
